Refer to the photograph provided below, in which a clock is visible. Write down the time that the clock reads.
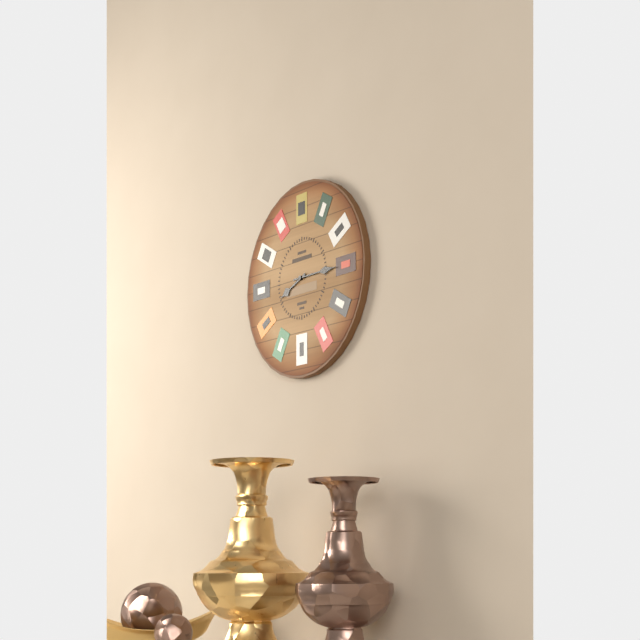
8:15
